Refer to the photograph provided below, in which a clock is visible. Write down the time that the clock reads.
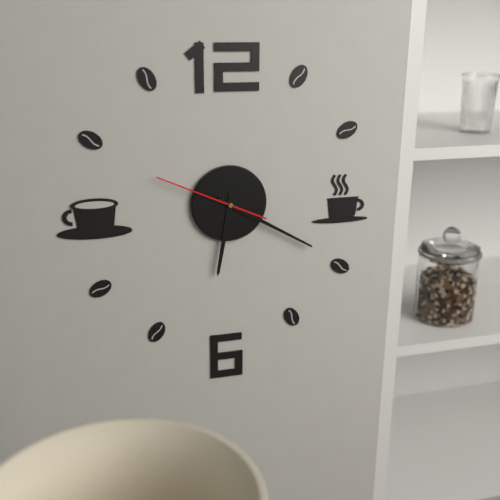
6:20:49
